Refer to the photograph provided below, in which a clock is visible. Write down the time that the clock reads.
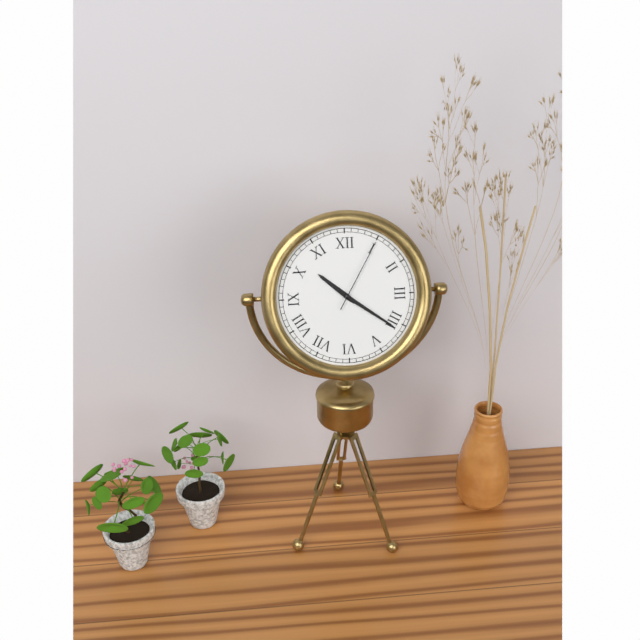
10:21:05
